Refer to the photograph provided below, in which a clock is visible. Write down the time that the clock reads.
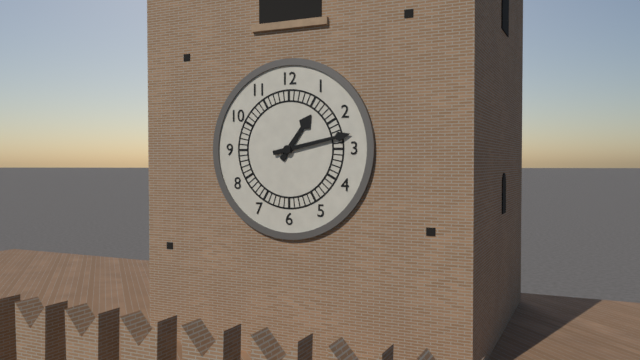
1:13
